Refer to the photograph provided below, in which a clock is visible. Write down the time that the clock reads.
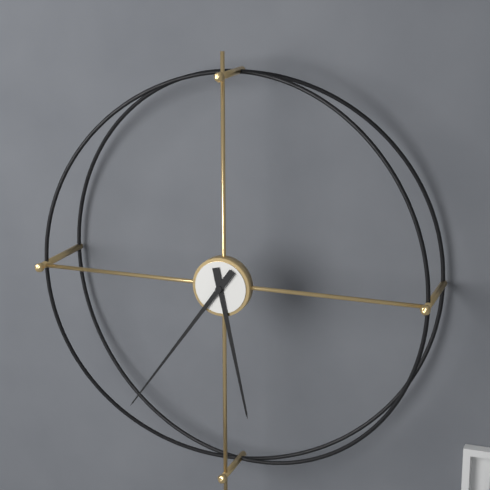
5:36
